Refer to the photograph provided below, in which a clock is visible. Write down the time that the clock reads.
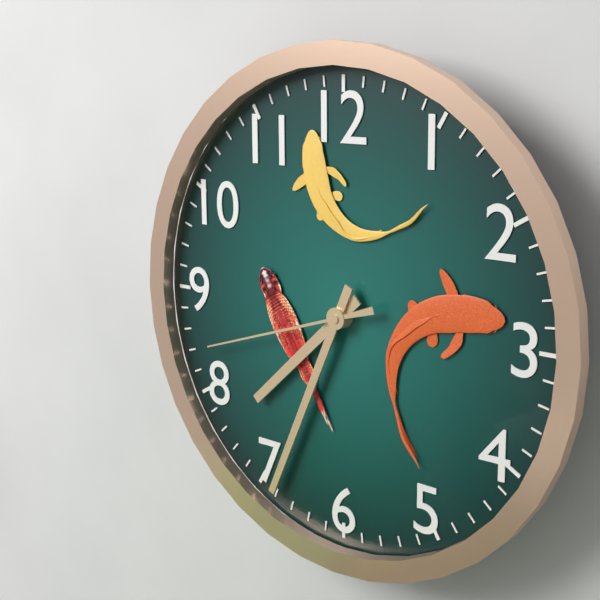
7:34:42
